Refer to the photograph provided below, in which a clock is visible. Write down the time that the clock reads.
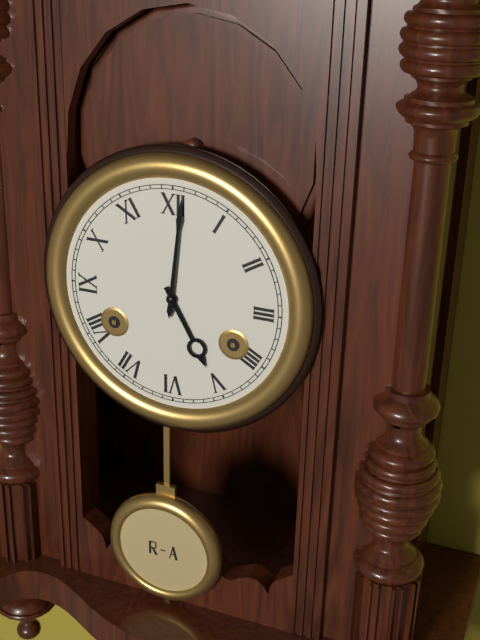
5:01
